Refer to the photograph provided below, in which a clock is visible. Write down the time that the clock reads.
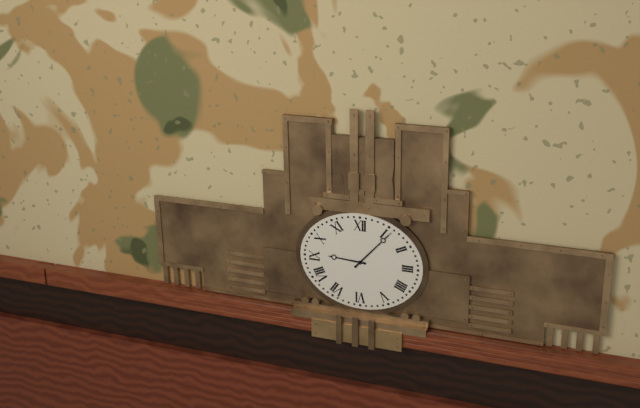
9:07
